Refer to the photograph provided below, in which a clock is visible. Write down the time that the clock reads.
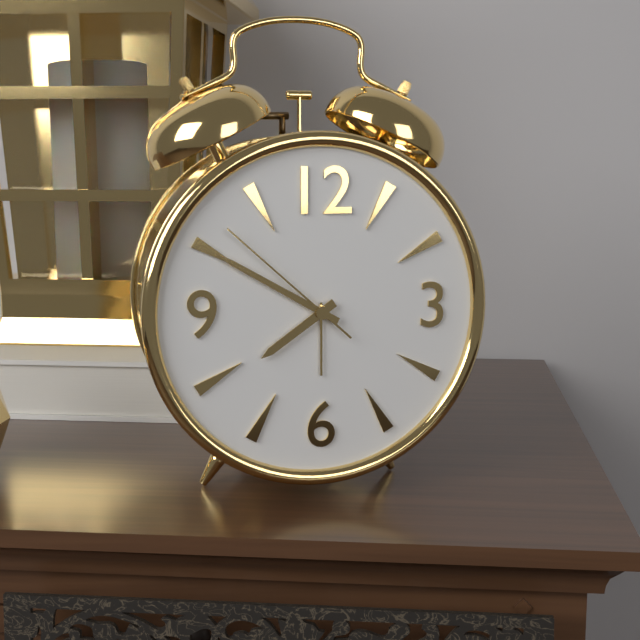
7:50:52
